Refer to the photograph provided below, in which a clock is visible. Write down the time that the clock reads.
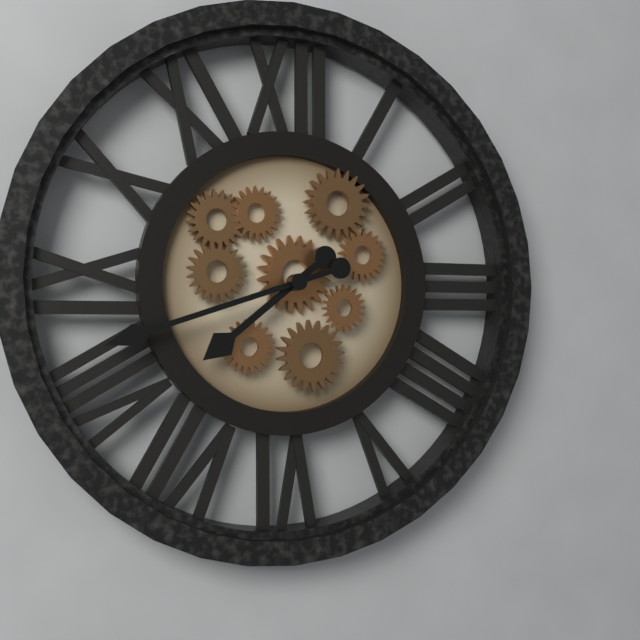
7:42
